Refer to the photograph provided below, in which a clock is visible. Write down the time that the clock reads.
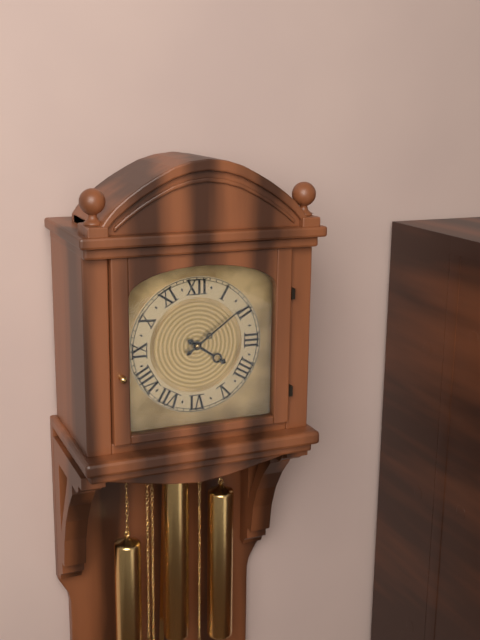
4:09
